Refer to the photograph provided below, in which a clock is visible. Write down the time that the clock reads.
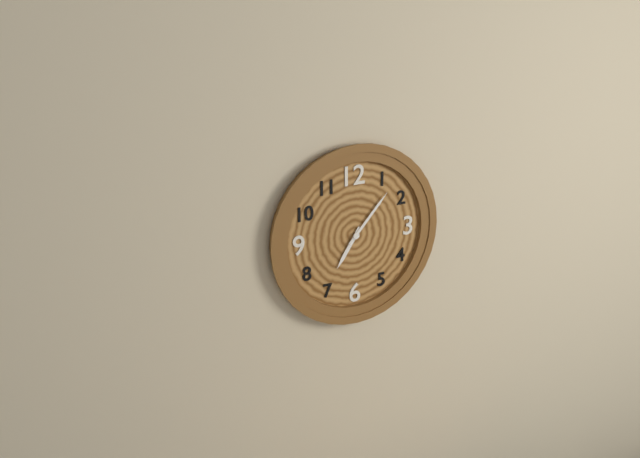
7:07
